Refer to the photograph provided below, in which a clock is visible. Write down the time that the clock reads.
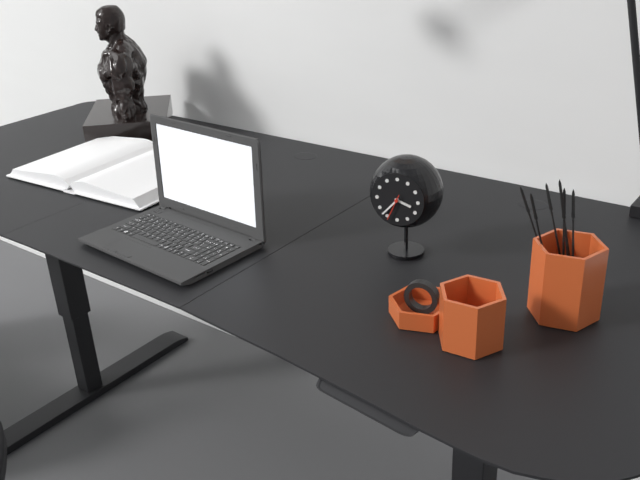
3:37
